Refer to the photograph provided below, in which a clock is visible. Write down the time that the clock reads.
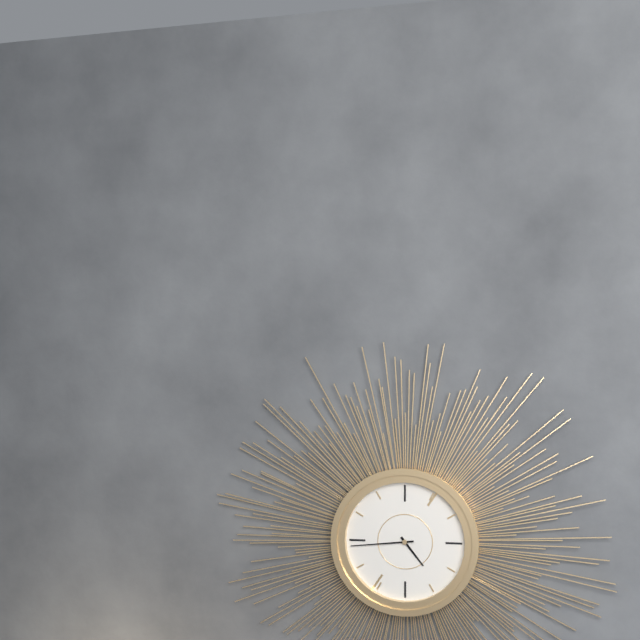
4:44
